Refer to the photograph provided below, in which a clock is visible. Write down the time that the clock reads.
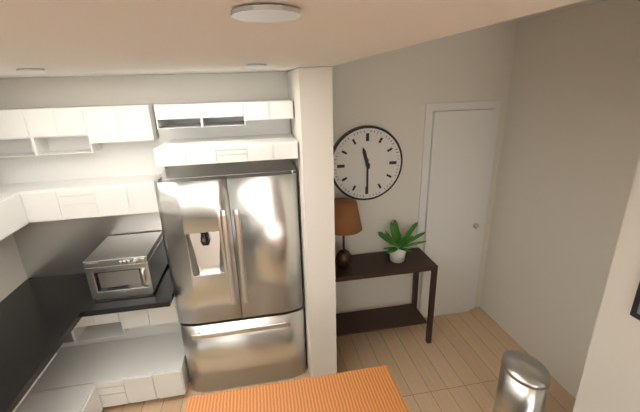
11:30
